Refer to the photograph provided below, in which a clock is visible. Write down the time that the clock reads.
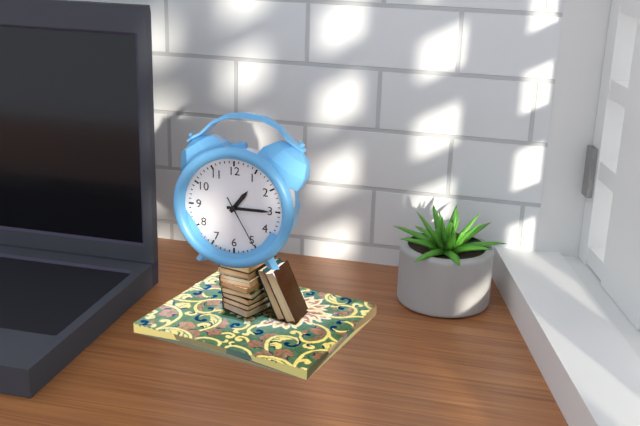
1:15:25
